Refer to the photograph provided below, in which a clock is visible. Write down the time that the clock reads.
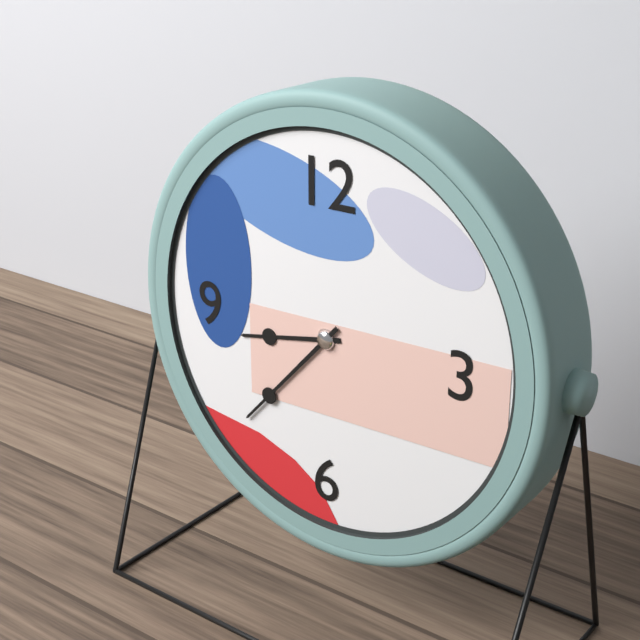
8:37
